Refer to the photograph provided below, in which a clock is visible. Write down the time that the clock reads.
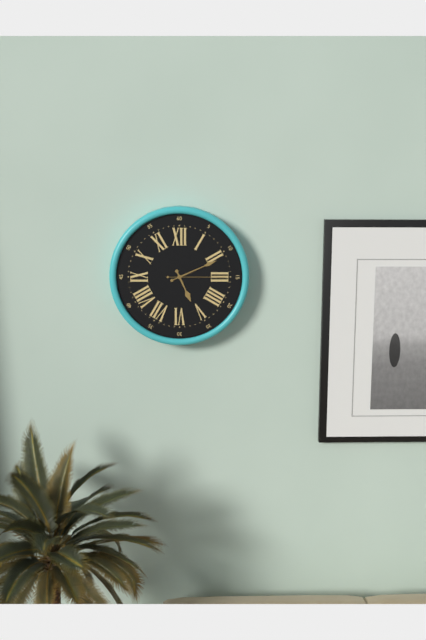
5:11:15
